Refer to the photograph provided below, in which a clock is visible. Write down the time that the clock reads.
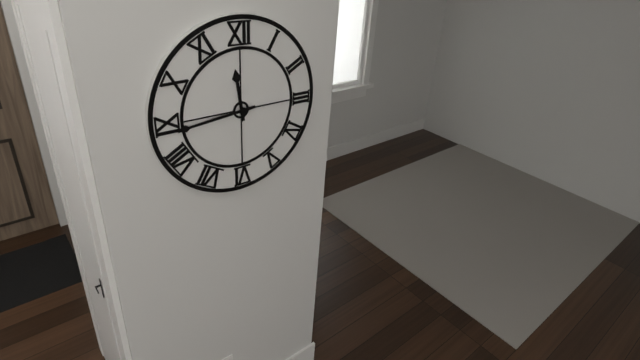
11:44
